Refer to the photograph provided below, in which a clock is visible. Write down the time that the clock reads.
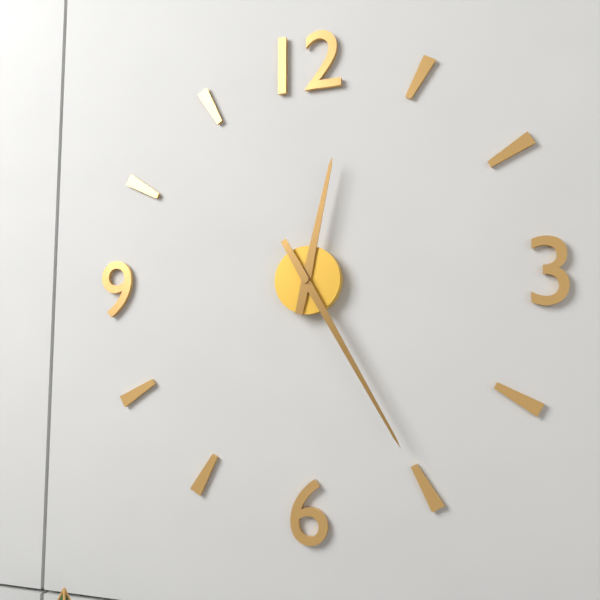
12:25
